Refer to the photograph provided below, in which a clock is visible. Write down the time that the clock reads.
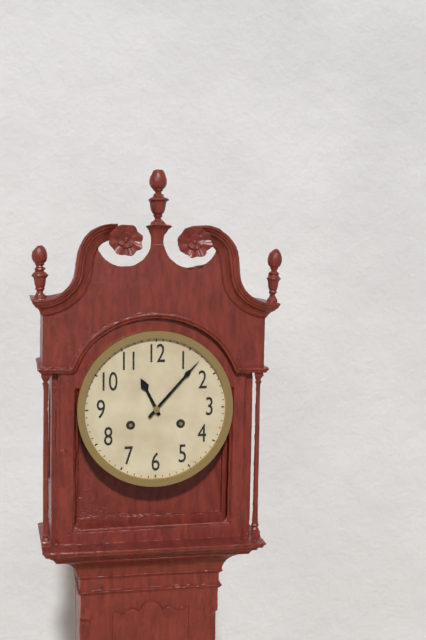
11:07
